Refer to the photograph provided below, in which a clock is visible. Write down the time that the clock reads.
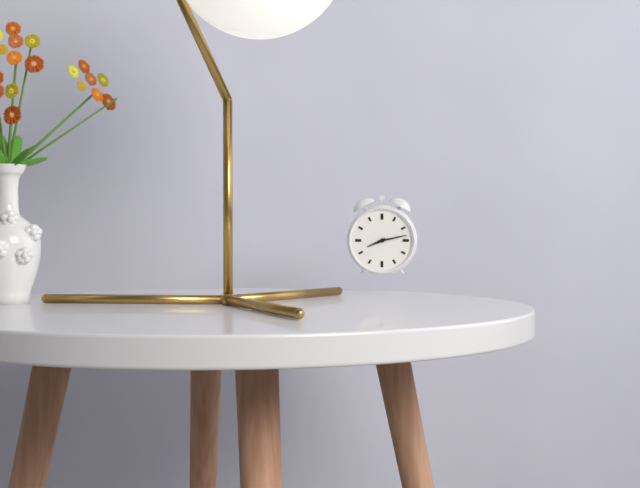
8:13
